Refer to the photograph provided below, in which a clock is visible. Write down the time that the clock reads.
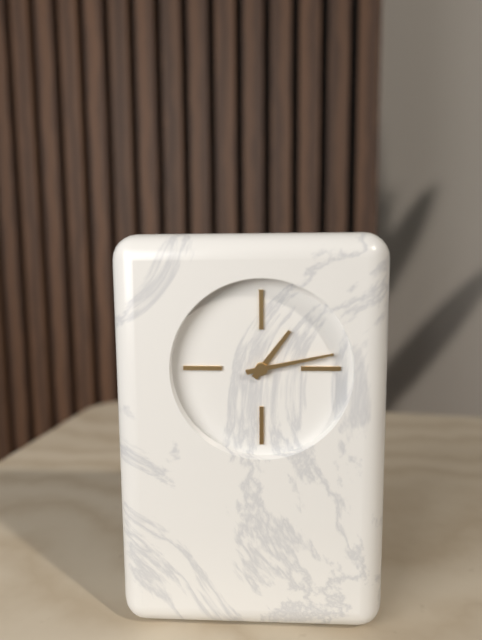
1:13
